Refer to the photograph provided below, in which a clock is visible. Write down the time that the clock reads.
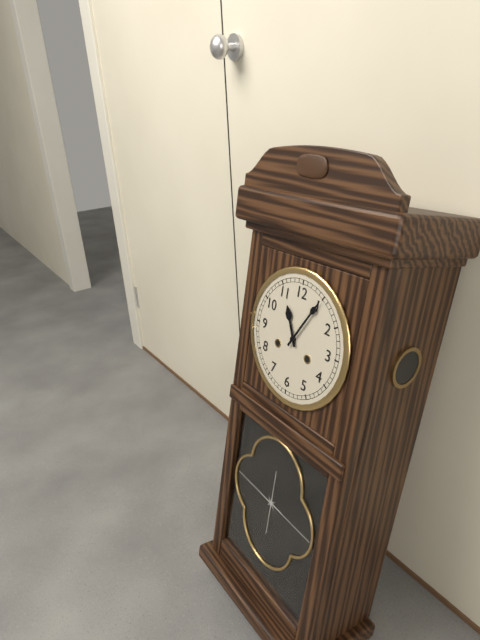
11:05
